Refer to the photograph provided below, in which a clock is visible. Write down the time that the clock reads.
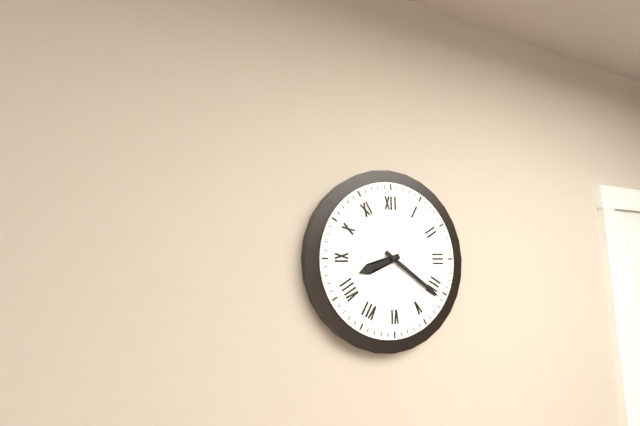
8:21
